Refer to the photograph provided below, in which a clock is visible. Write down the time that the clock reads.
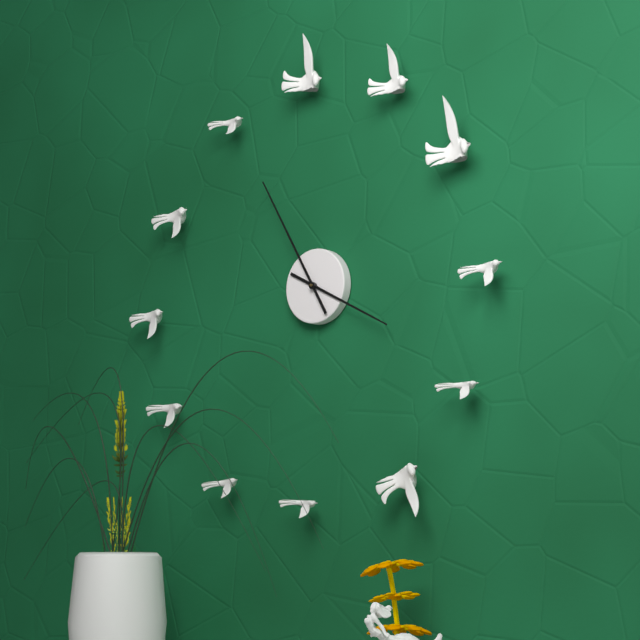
3:55
